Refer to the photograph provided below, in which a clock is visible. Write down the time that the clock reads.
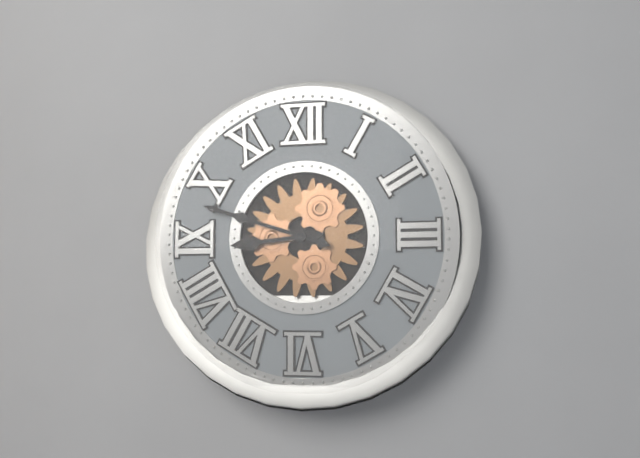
8:48
